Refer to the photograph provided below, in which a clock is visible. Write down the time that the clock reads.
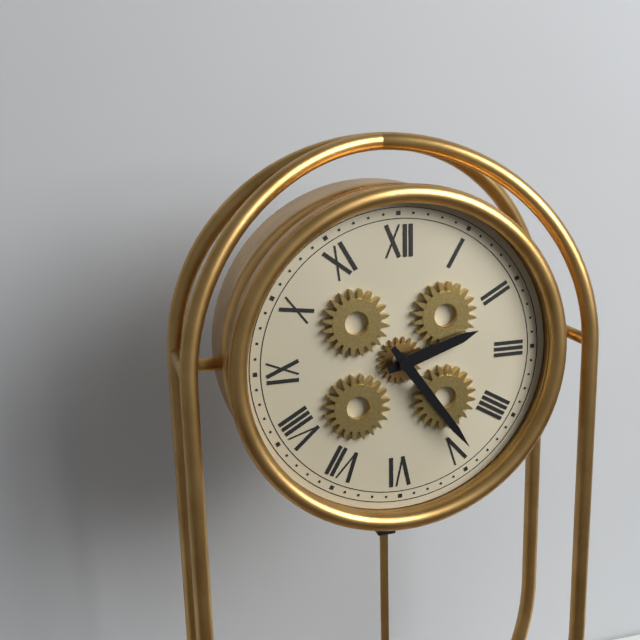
2:24
